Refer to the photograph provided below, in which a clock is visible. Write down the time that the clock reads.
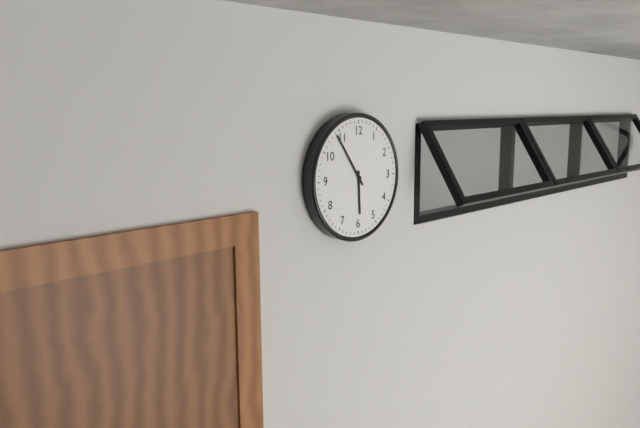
5:54
